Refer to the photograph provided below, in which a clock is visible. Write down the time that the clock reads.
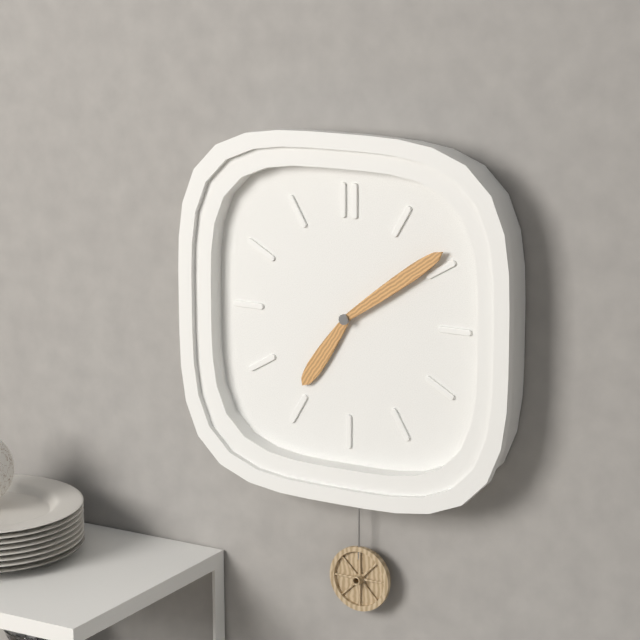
7:09
